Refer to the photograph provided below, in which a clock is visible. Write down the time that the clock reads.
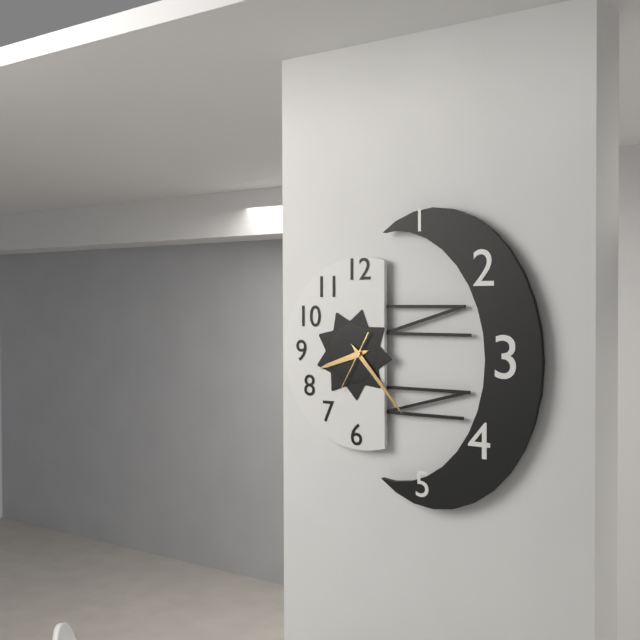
8:23:35
